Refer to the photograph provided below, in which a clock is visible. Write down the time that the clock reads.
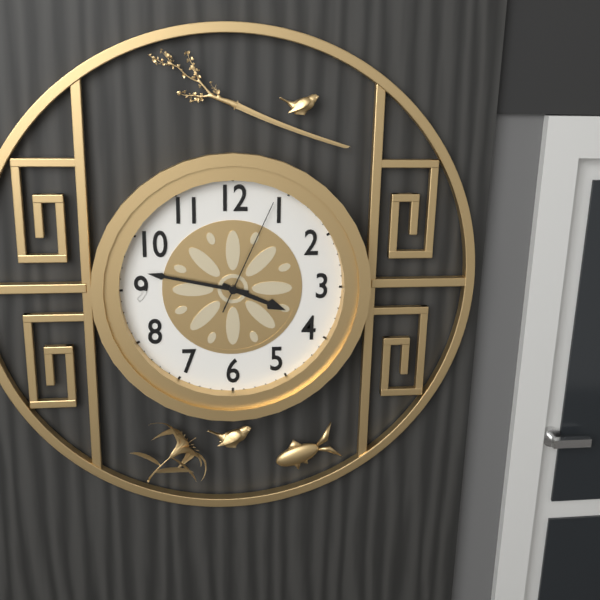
3:47:04
